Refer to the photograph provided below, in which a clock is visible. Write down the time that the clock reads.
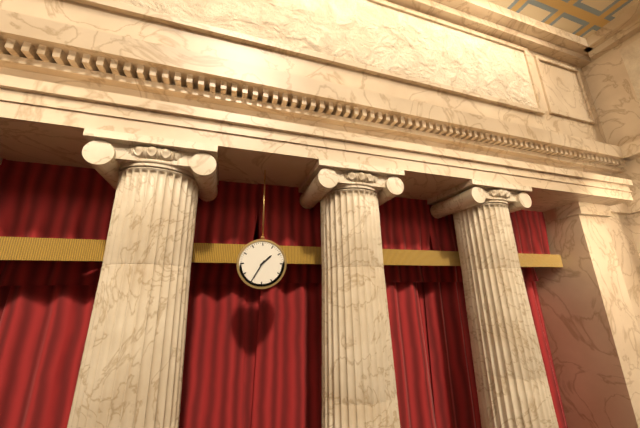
1:35
